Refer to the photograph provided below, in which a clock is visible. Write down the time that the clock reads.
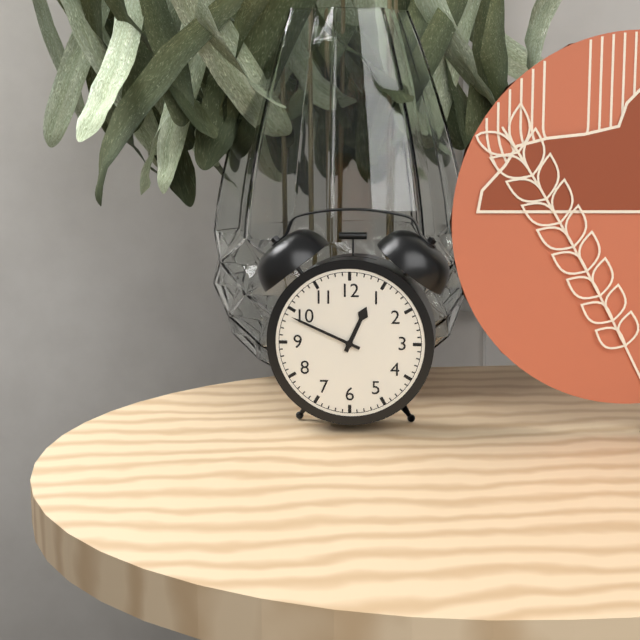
12:49
